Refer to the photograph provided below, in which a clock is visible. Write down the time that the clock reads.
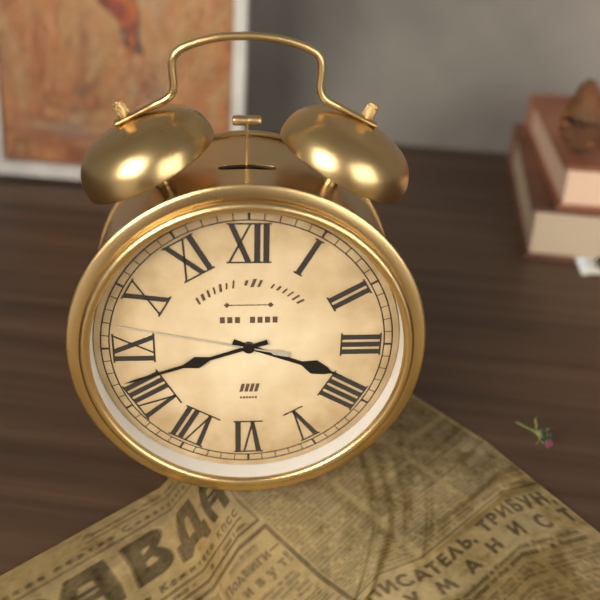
3:42:47
